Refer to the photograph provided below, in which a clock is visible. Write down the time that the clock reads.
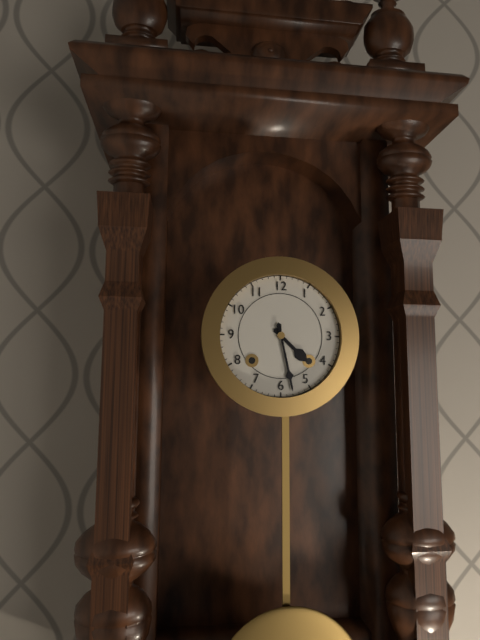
4:28
